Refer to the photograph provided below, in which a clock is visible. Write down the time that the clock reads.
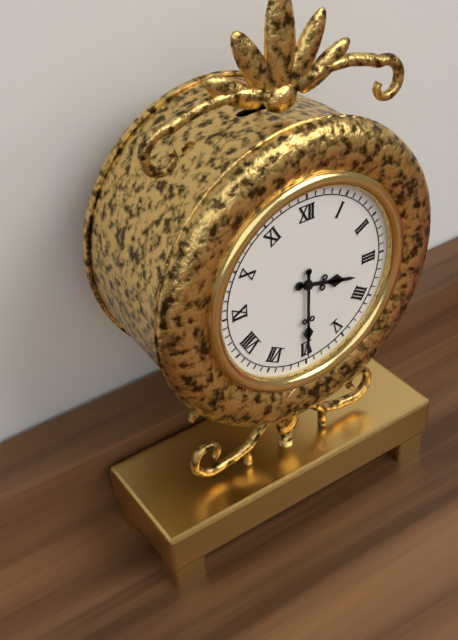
3:30
